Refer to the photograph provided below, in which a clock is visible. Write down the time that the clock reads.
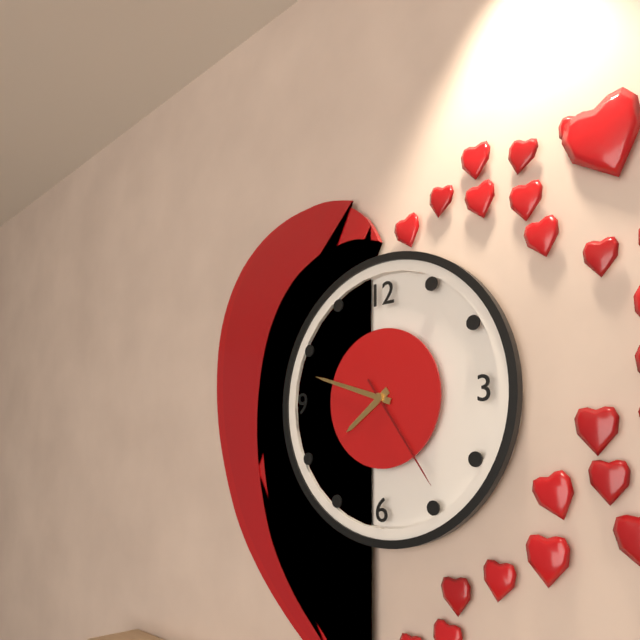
7:48:24
